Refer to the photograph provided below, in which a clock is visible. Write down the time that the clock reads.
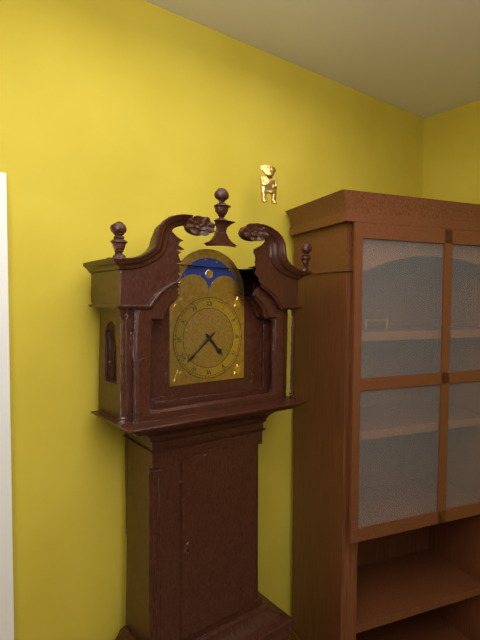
4:38
